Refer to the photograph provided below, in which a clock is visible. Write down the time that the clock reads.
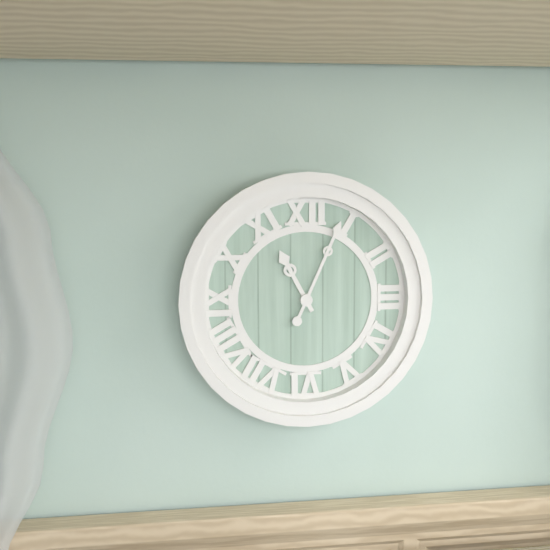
11:04
